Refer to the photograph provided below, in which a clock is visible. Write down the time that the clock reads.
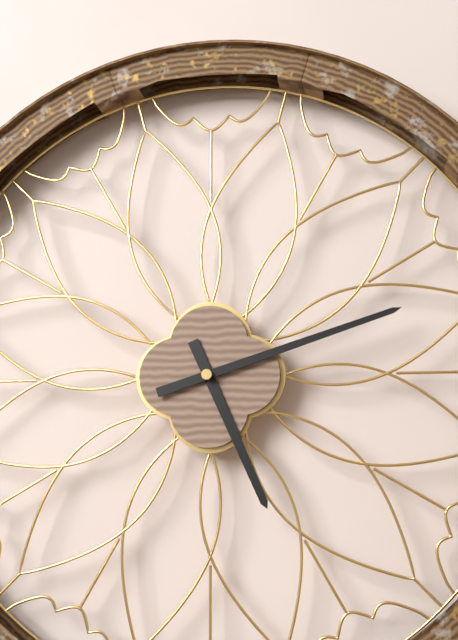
5:12
